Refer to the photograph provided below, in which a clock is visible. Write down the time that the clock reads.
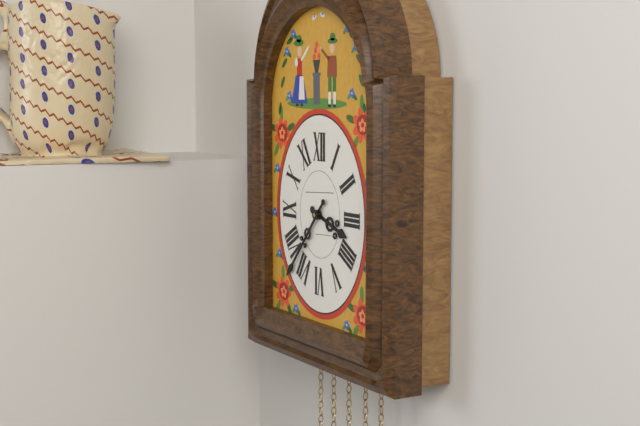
3:37
